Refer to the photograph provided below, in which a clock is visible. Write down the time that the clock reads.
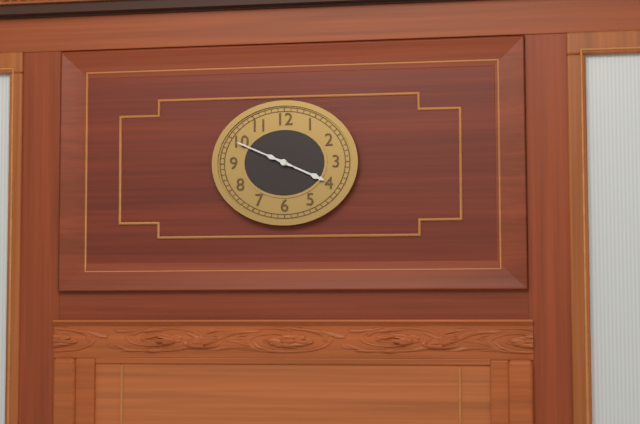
3:49
